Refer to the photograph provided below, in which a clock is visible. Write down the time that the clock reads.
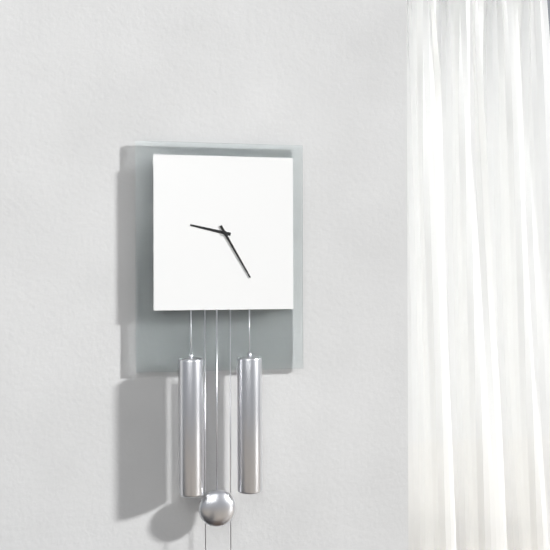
9:25
